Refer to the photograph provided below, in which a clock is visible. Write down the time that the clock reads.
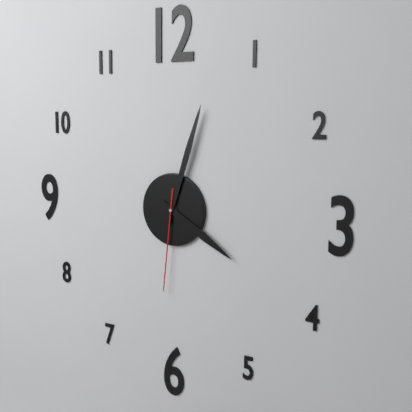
4:03:31
